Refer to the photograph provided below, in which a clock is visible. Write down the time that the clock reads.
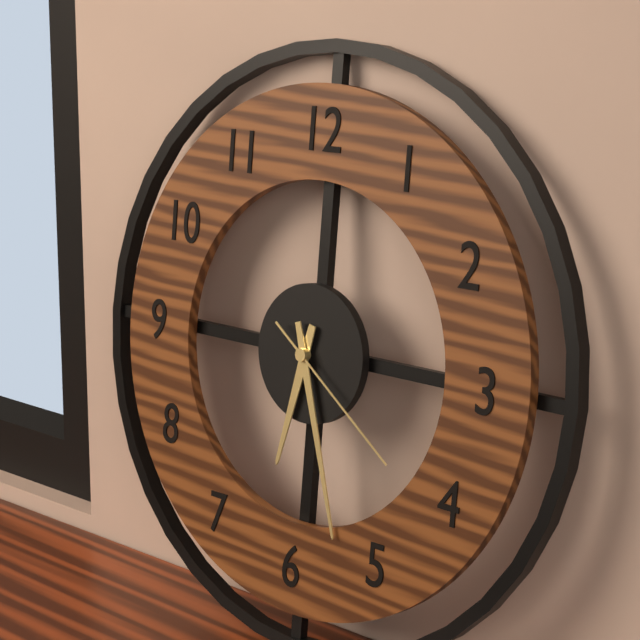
6:27:21
